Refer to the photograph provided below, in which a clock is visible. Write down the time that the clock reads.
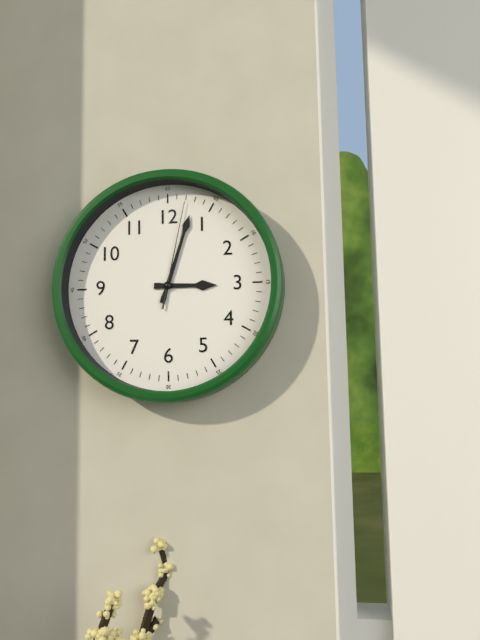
3:03:02
